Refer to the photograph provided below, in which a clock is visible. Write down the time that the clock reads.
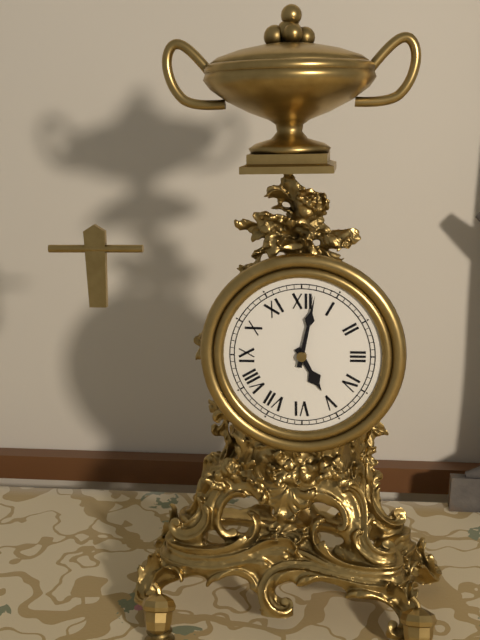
5:02
